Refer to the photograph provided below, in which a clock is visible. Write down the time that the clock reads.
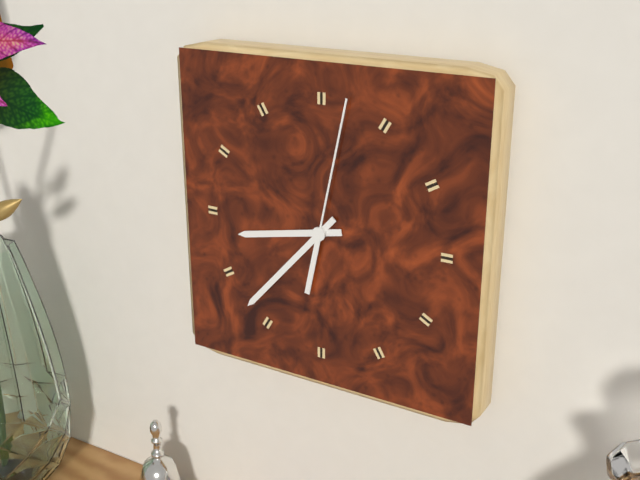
8:37:02
